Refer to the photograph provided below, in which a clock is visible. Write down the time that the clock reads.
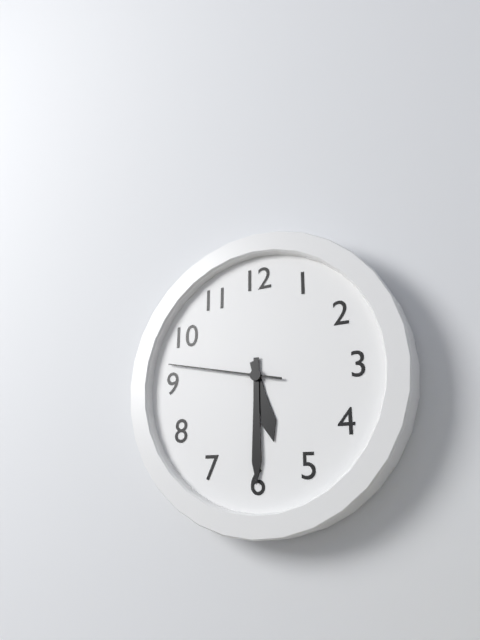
5:30:47
